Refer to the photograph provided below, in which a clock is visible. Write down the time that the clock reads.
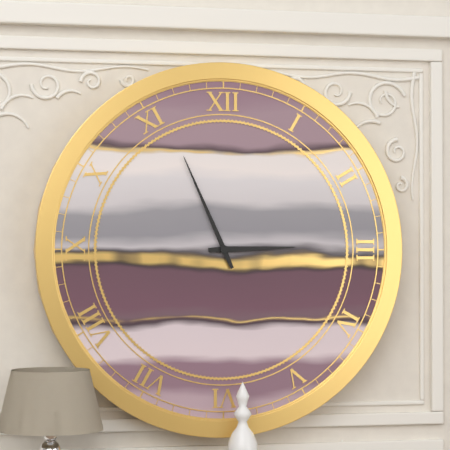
2:56
